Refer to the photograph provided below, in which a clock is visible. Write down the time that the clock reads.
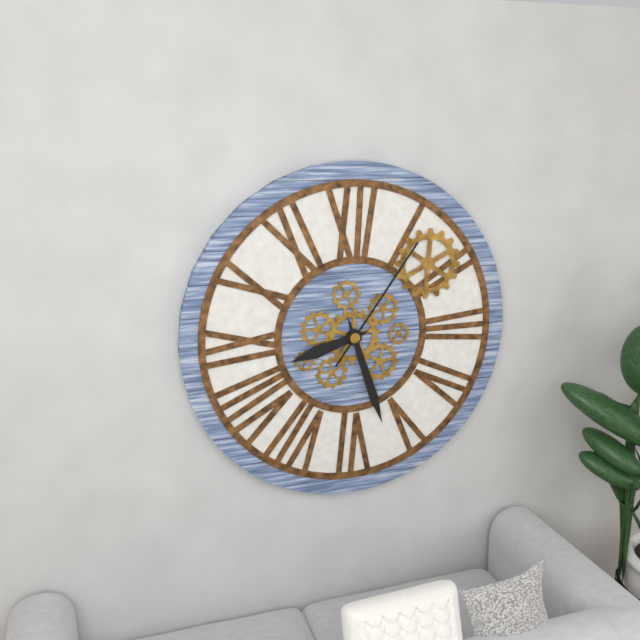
8:27:06
